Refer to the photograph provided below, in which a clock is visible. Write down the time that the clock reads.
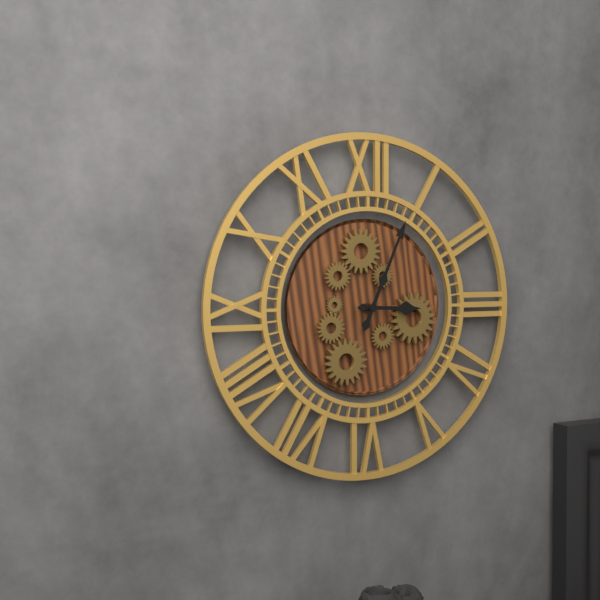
3:04
